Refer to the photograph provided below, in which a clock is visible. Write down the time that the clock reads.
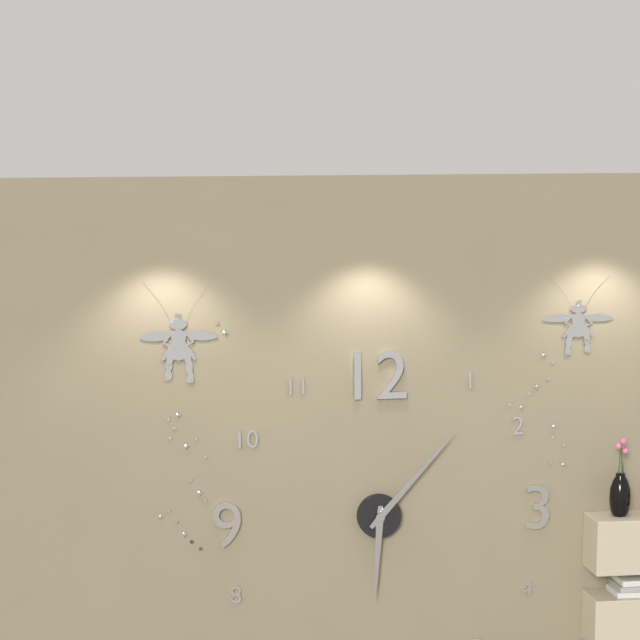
6:07
